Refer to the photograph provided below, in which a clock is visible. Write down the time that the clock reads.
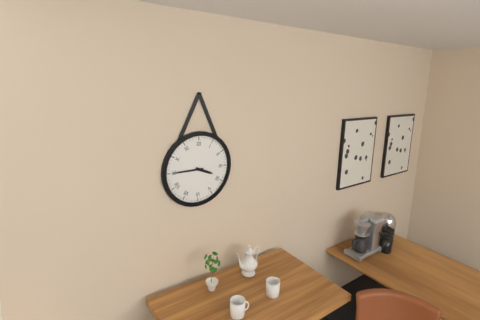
3:45
